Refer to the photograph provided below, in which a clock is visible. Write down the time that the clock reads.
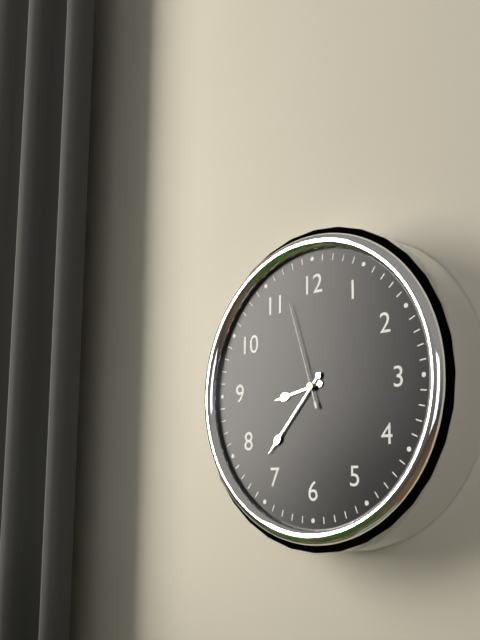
8:37:57
